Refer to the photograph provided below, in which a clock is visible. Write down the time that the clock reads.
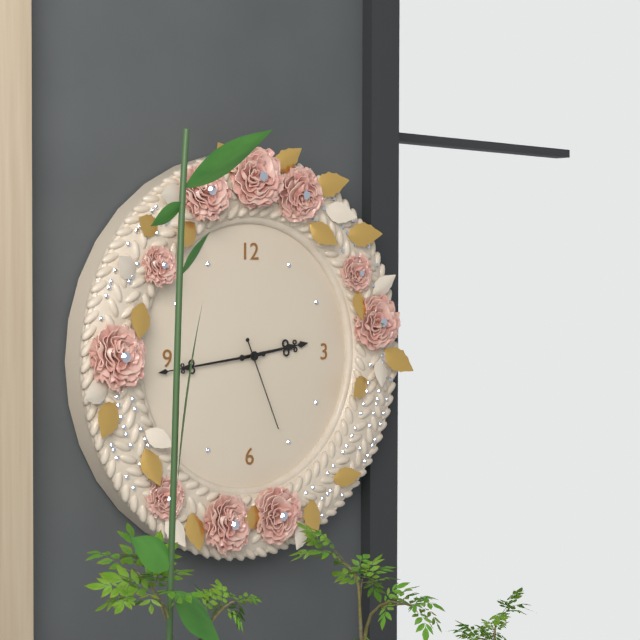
2:44:26
